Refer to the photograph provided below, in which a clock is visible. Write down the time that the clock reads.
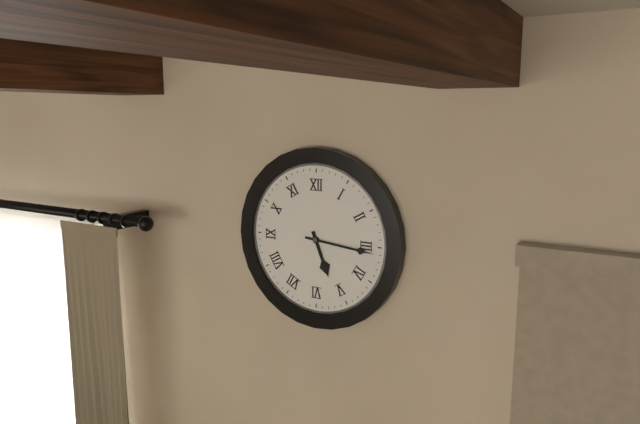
5:16
